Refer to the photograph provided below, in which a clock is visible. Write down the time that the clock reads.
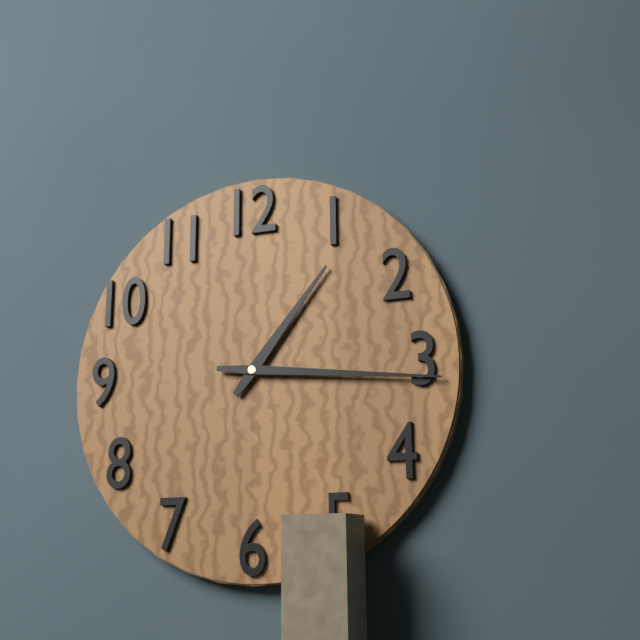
1:16
